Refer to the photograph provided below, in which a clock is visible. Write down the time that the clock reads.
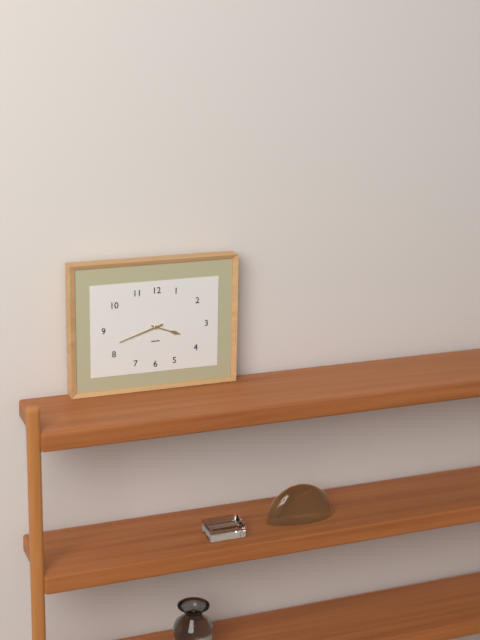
3:42
